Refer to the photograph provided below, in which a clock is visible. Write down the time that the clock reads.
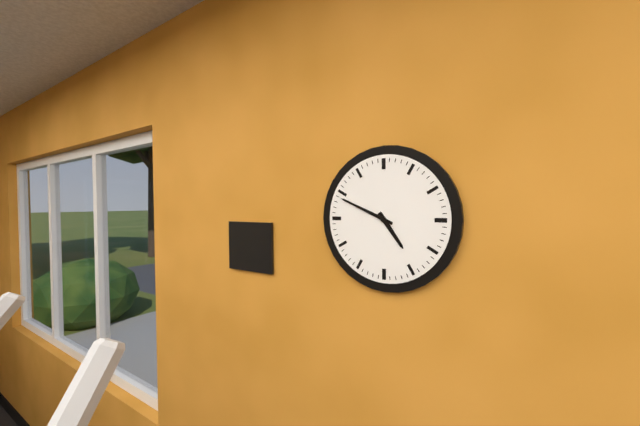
4:49
